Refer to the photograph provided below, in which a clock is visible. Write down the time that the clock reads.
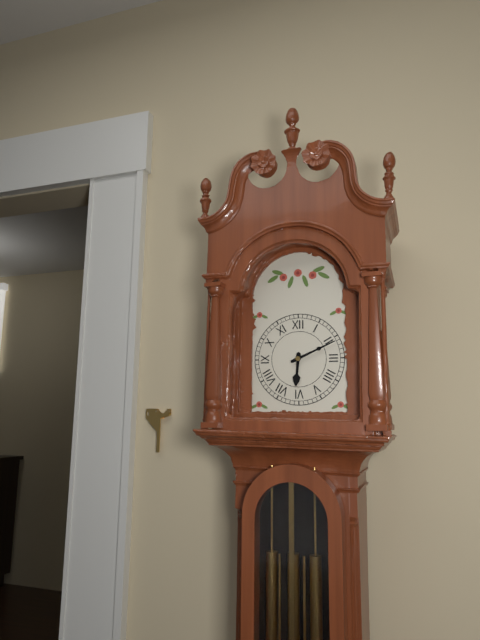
6:11
